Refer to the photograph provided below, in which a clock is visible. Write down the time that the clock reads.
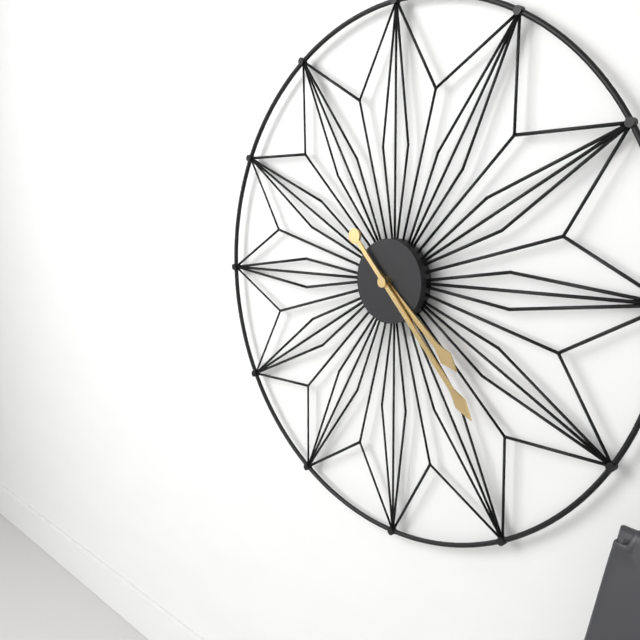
4:23
